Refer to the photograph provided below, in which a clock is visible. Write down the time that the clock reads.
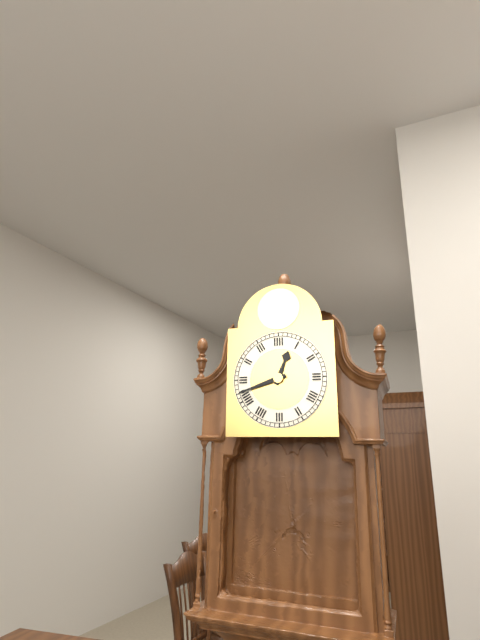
12:42
